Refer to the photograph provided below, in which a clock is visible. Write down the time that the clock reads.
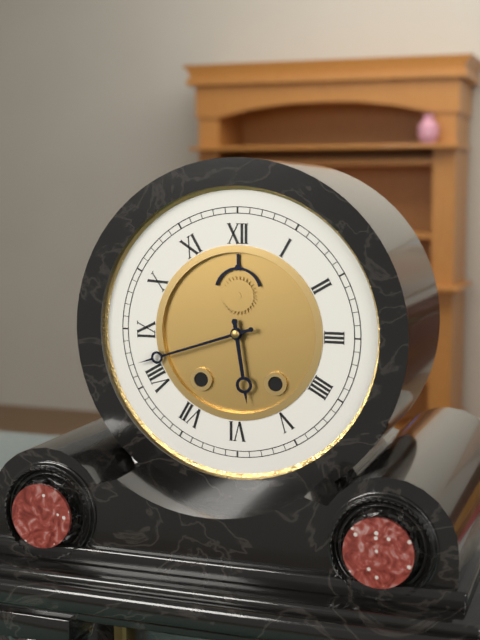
5:42
